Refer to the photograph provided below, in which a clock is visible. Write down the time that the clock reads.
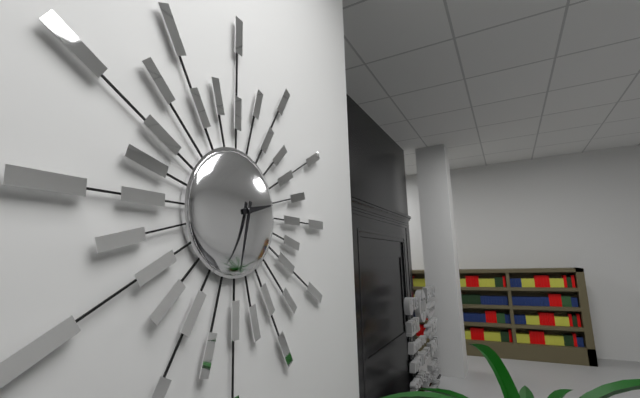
2:32
